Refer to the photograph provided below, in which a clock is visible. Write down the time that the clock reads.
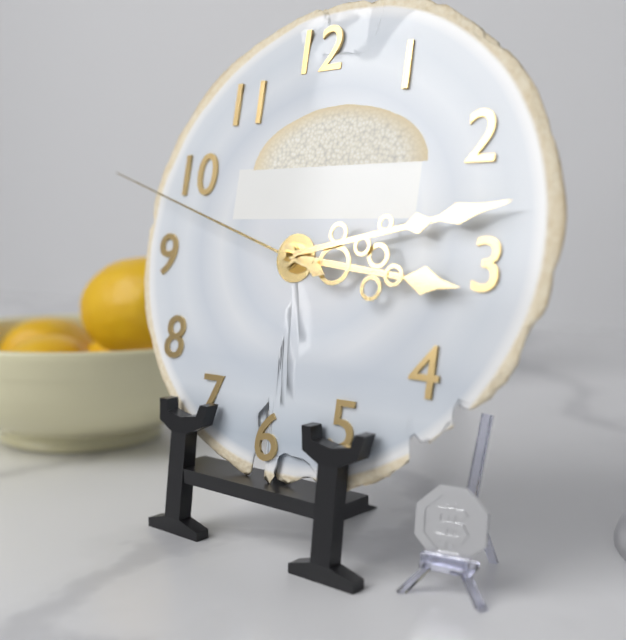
3:13:48
